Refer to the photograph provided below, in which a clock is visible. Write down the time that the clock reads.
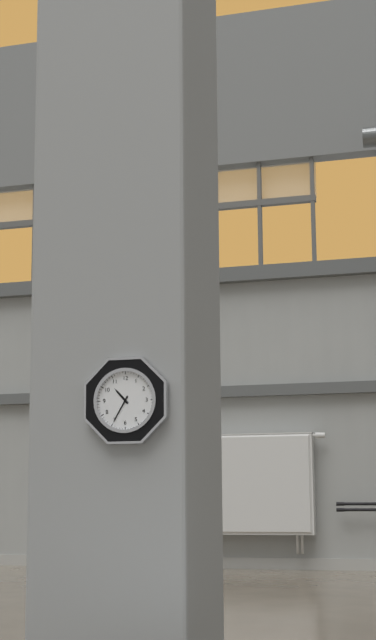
10:35
